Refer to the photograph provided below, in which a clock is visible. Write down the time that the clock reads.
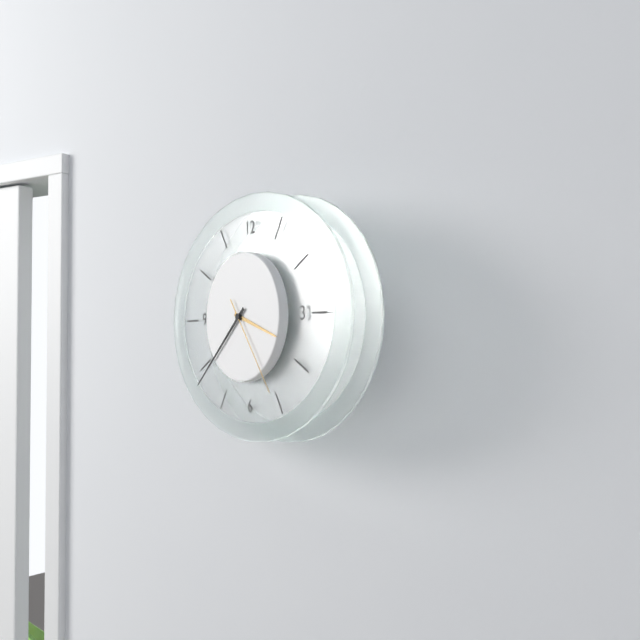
3:38:24
